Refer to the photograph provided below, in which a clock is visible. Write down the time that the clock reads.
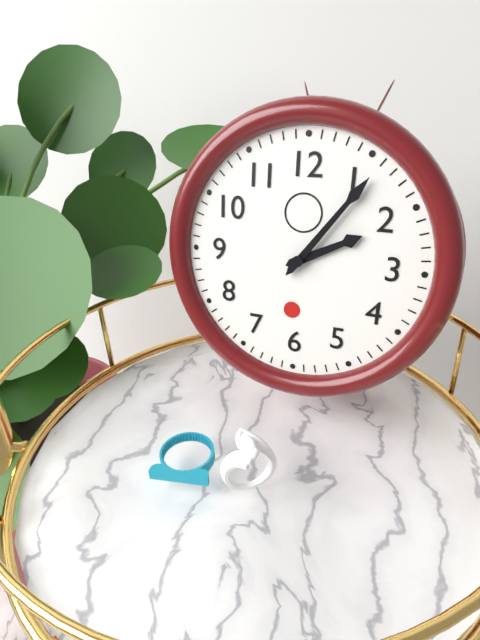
2:06
